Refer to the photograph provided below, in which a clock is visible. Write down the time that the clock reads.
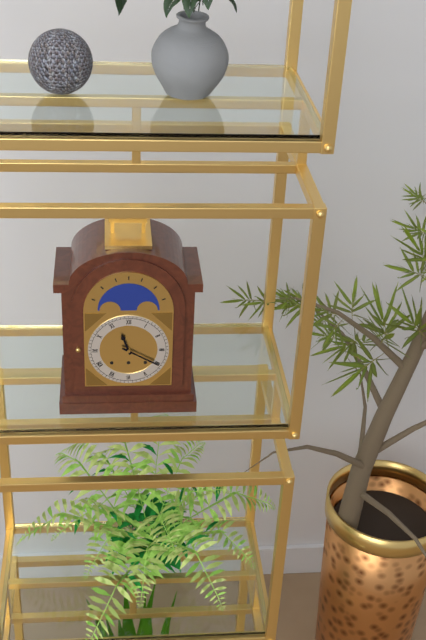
11:20
